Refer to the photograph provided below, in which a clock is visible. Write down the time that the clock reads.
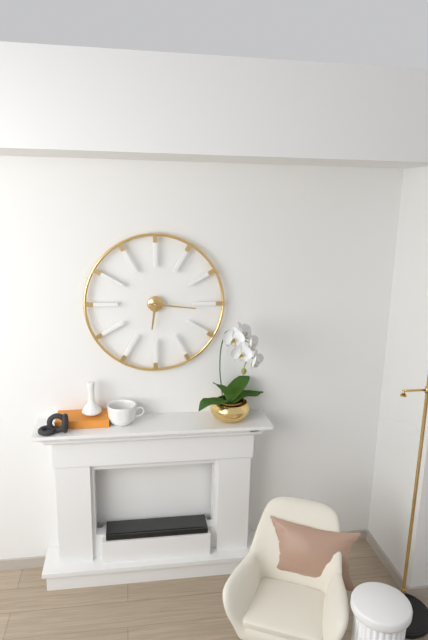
6:16
